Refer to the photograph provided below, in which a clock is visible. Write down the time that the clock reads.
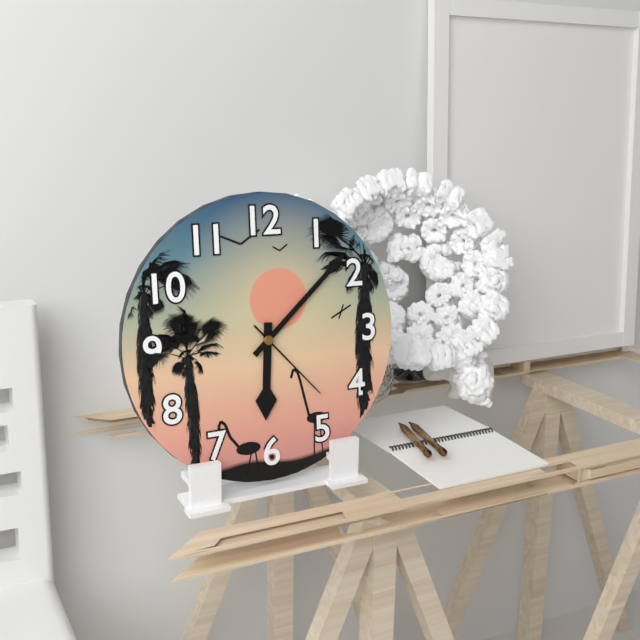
6:08:23
